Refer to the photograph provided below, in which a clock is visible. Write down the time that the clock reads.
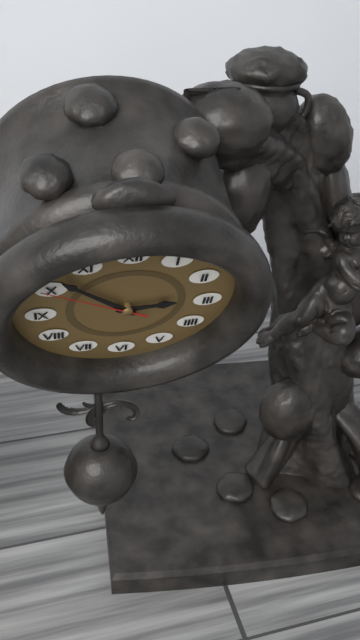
2:52:50
